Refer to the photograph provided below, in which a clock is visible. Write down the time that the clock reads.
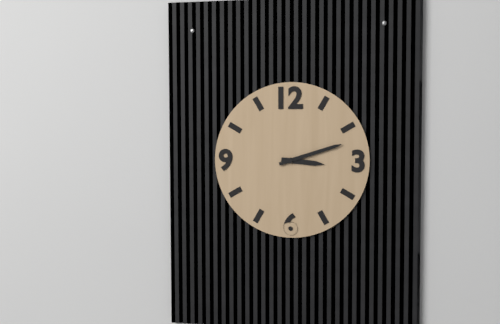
3:12
